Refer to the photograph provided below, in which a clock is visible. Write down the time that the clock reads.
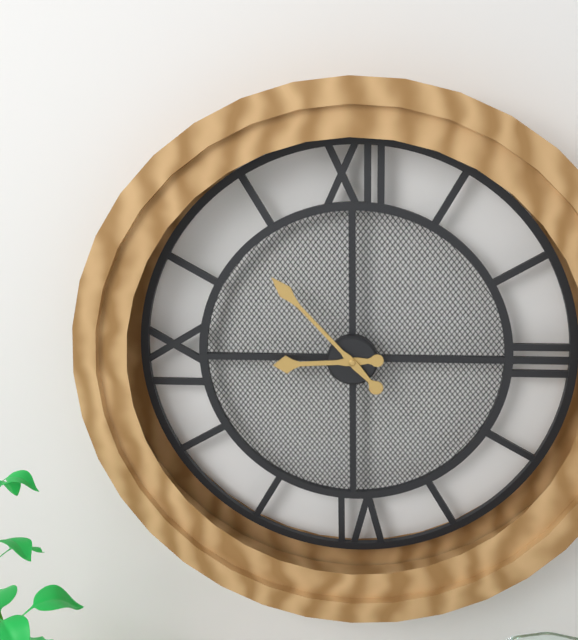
8:53
